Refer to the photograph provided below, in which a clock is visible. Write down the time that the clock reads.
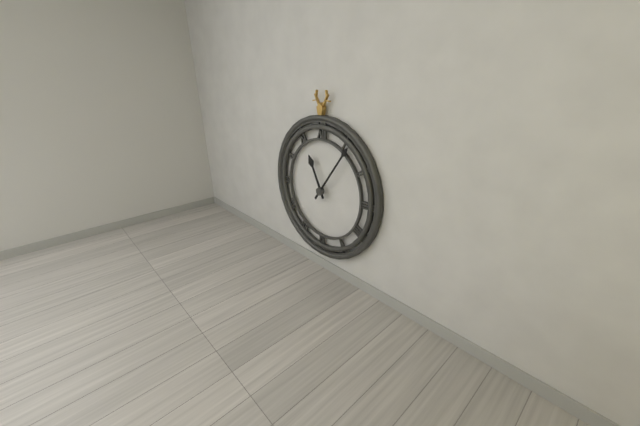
11:06
